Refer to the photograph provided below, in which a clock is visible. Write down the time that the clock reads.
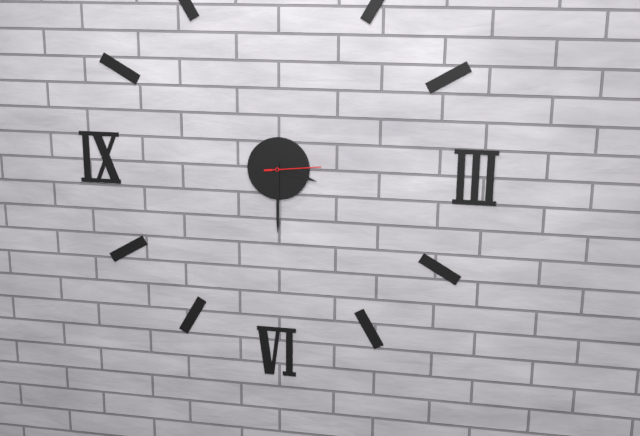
3:30:14
